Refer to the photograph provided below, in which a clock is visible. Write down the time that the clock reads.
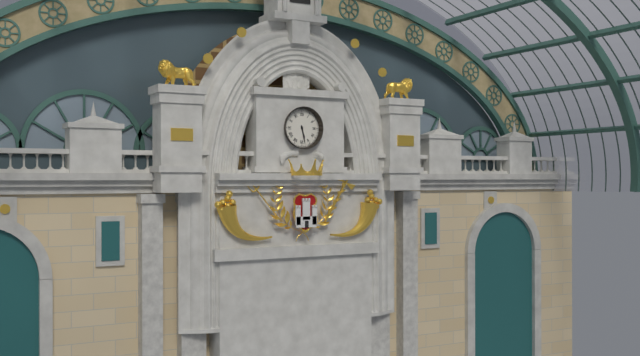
5:28
